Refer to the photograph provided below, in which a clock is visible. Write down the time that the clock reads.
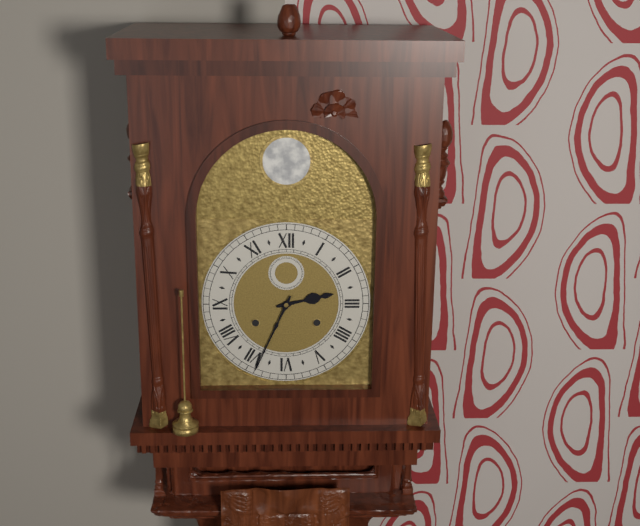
2:34
